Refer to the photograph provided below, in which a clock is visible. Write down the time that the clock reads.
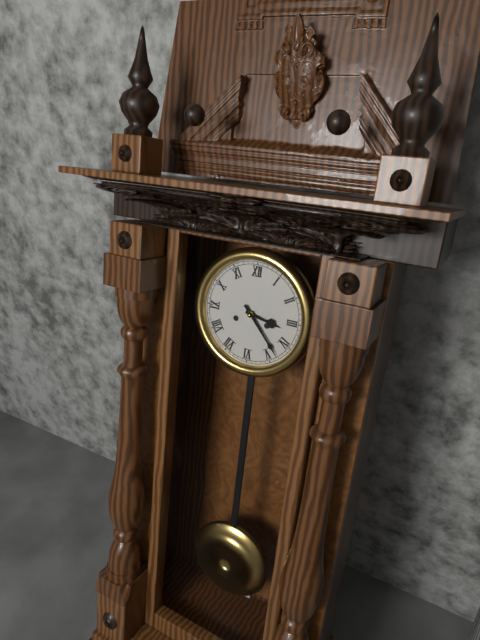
3:23
